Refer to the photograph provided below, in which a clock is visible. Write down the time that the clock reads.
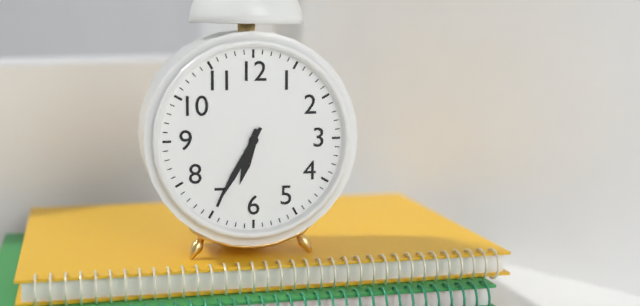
6:35
